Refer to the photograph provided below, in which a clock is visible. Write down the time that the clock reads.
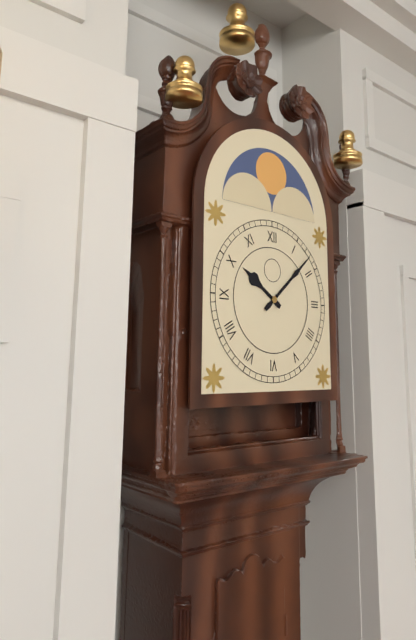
10:08
